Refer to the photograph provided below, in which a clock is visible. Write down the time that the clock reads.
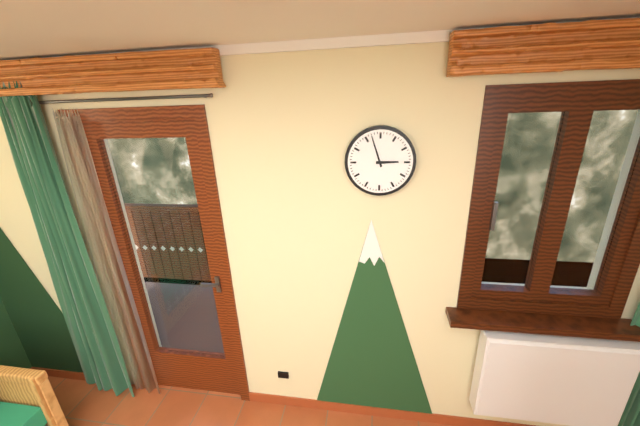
2:57
